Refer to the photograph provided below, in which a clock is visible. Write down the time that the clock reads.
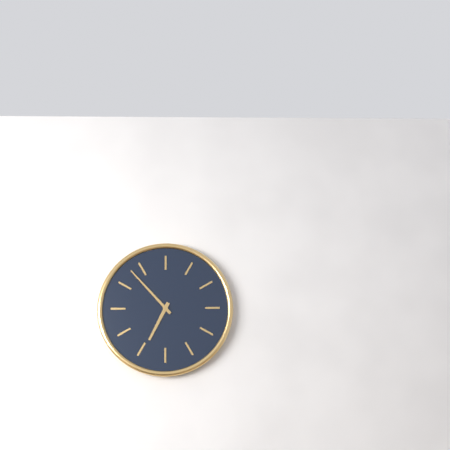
6:53
